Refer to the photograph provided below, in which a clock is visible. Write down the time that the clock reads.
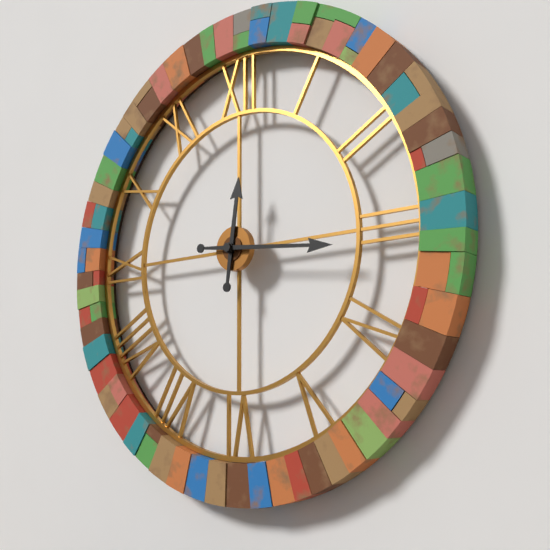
12:16
